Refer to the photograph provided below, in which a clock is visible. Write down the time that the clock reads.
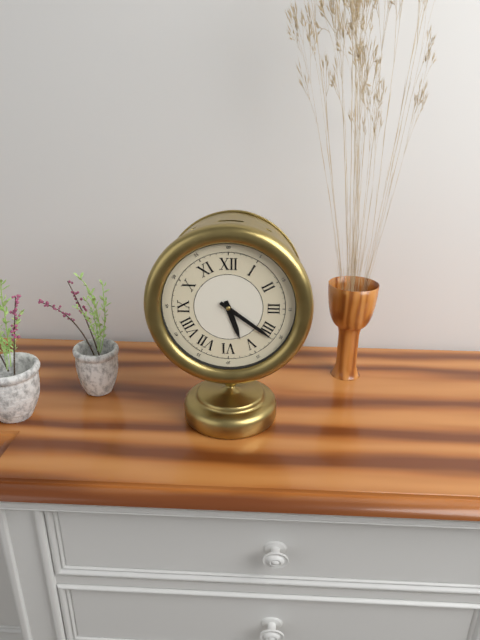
5:21
